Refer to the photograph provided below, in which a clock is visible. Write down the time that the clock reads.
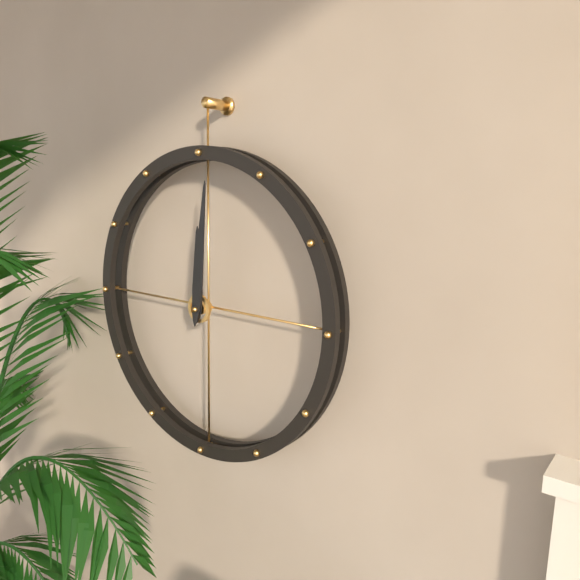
12:01
